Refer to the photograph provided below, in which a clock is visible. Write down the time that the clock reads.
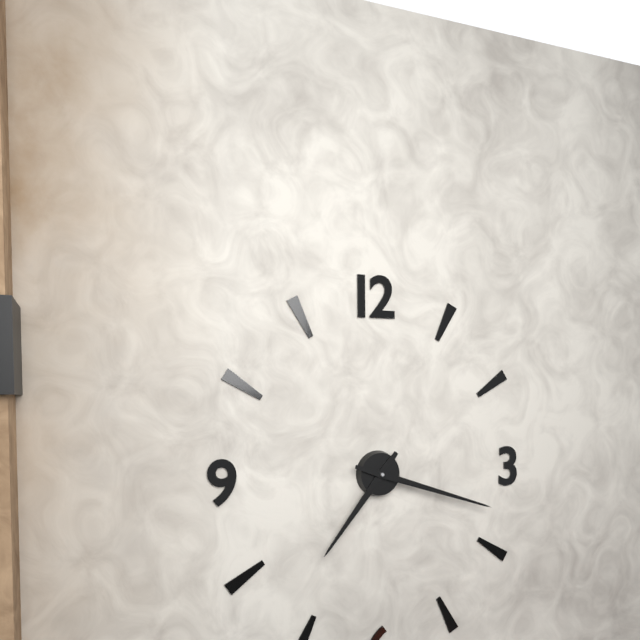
7:18
